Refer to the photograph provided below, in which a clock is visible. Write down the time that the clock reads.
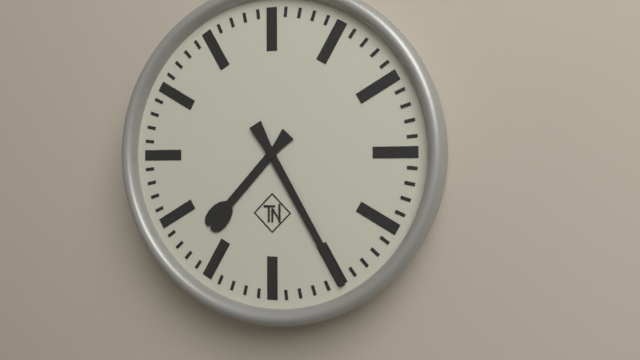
7:25
